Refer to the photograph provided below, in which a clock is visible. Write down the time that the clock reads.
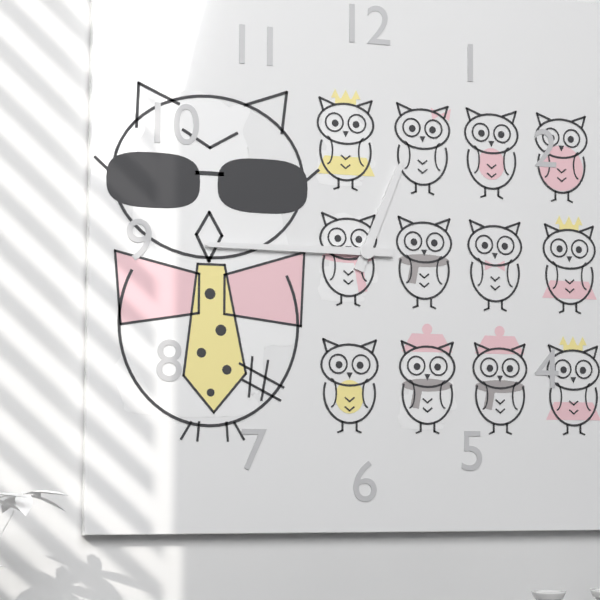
12:45
